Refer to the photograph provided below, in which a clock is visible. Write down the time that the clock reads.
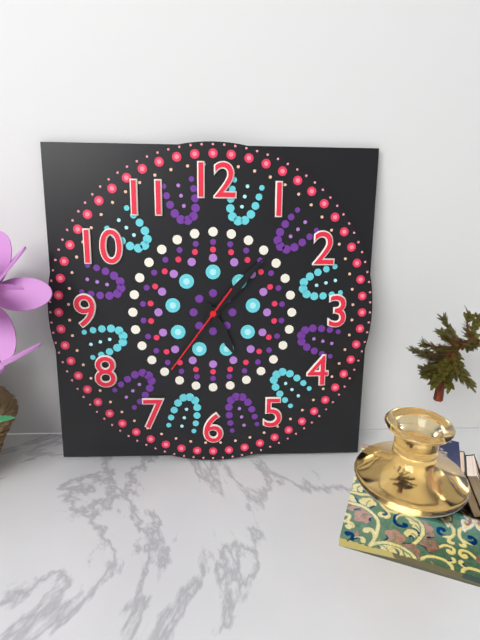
5:07:36
